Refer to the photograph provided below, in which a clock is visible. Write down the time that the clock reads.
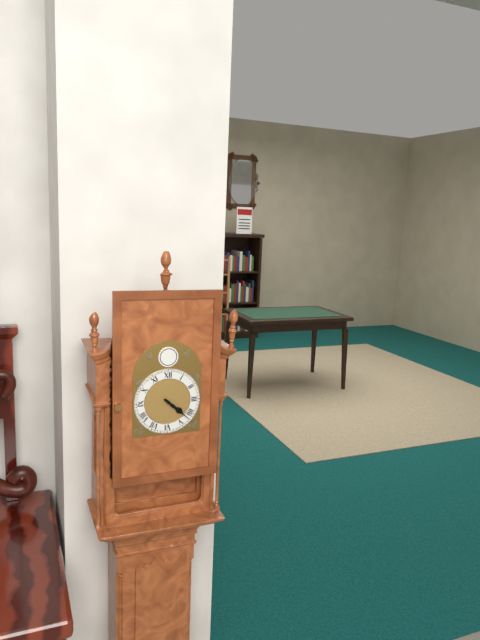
4:22
